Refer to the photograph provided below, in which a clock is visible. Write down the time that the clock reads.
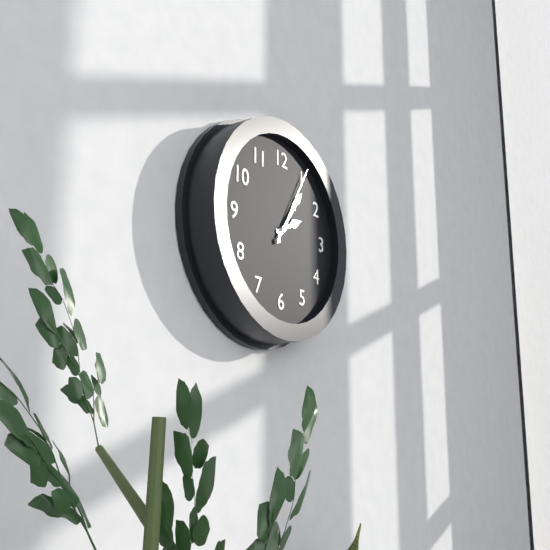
2:06:05
